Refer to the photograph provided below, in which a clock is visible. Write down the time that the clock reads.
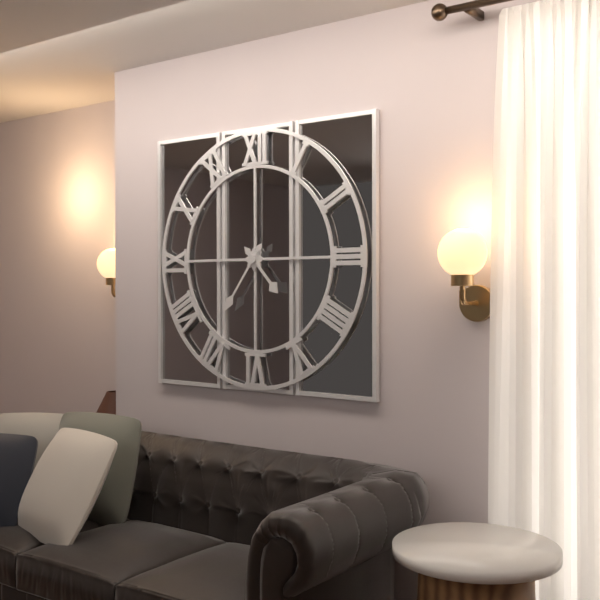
4:36
